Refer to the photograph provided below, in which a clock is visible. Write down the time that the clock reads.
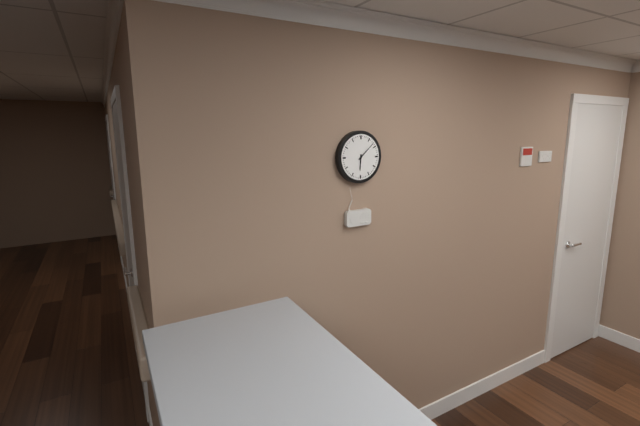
6:08
